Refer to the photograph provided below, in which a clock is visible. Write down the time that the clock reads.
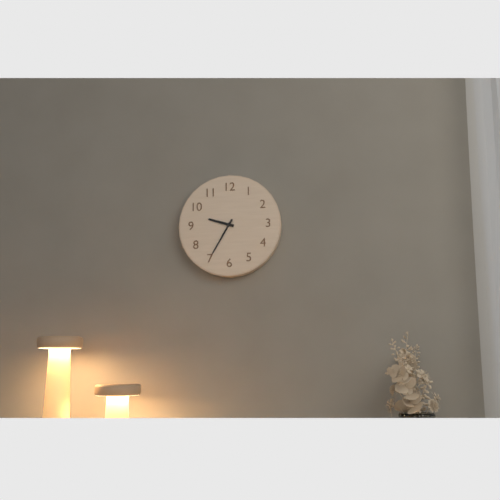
9:35
